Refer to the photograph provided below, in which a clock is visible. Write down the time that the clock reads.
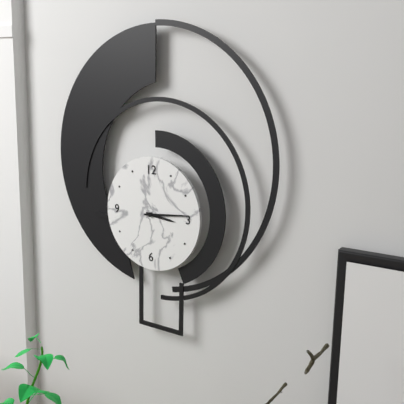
3:14
